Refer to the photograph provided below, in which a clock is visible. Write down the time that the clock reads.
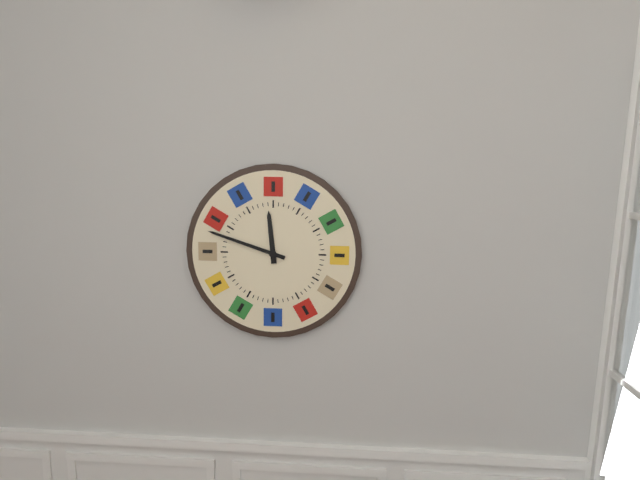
11:48
